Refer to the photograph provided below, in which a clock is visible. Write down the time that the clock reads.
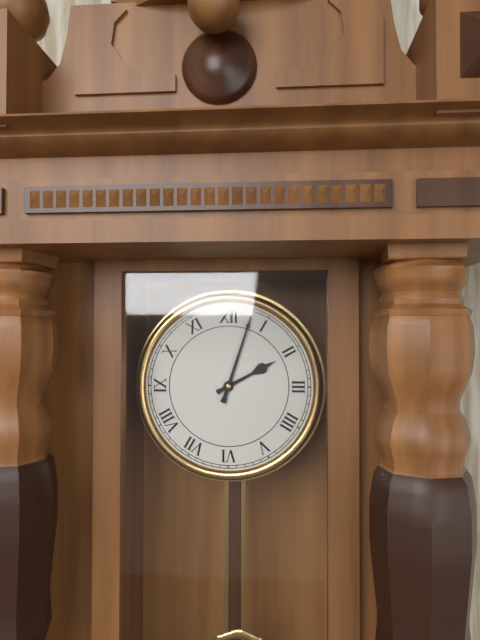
2:03
